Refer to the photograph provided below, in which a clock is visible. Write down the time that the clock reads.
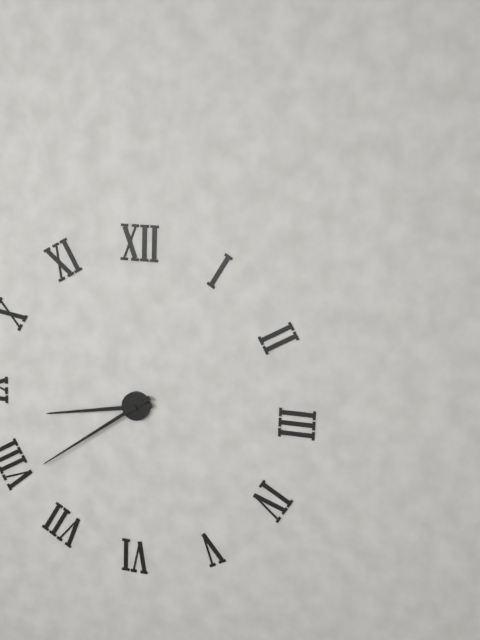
8:39
